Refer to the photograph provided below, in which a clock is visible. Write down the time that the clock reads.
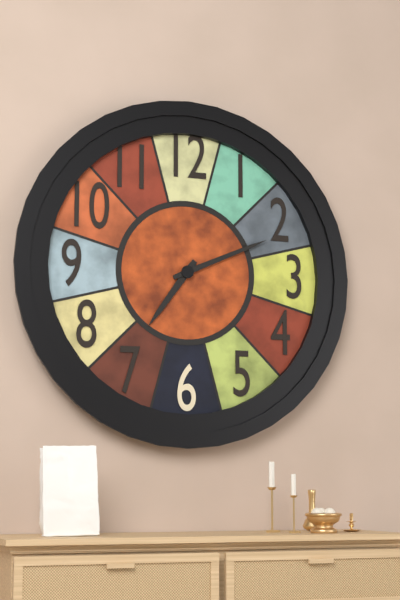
7:11
